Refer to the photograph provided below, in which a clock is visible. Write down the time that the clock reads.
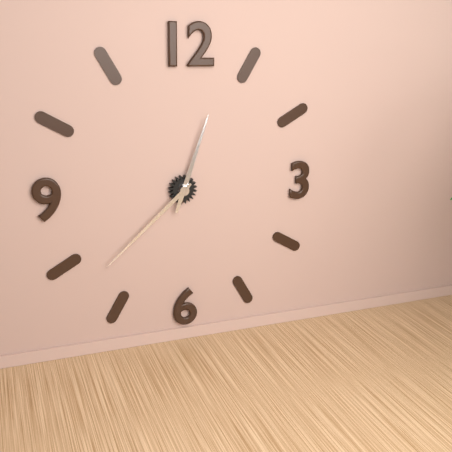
12:38
